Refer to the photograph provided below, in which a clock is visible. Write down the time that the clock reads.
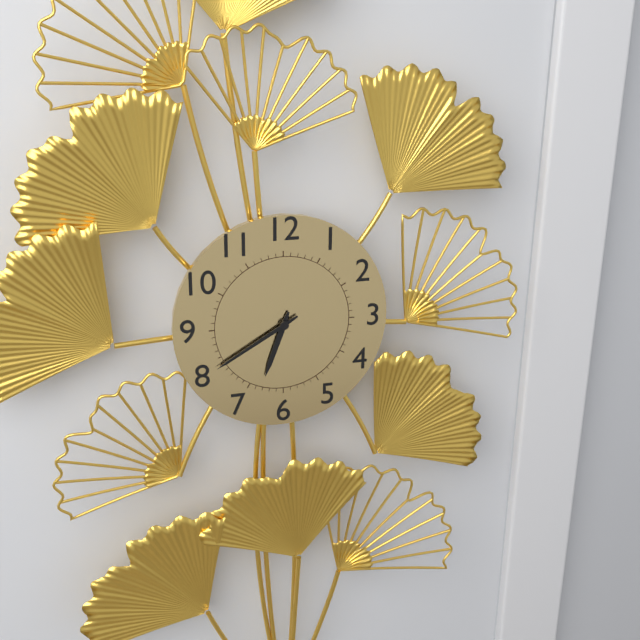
6:40
